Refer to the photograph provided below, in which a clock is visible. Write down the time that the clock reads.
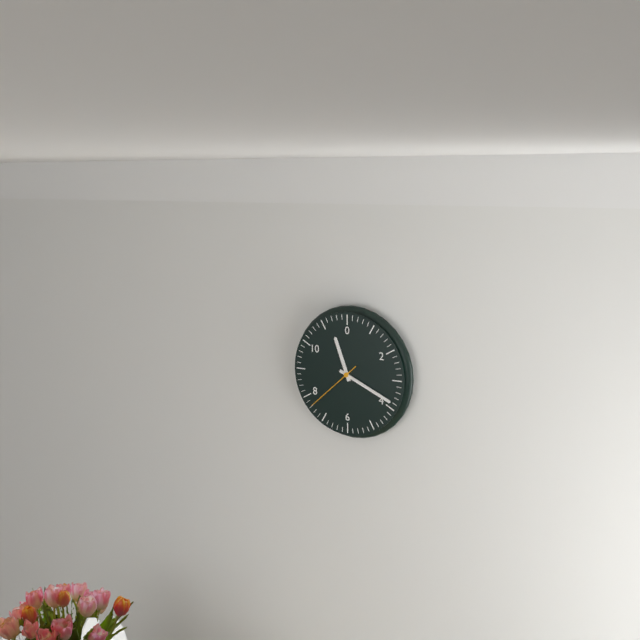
11:19:38
